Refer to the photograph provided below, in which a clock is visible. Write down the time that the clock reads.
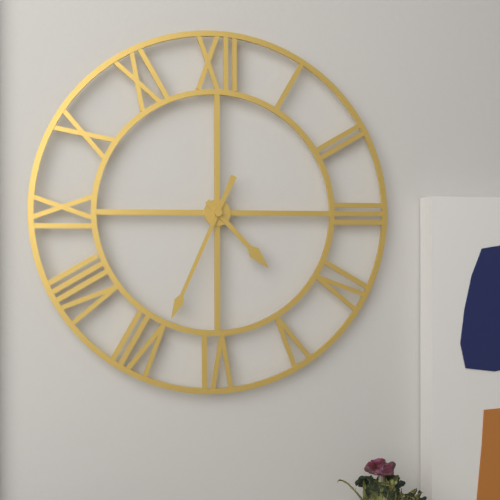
4:34
